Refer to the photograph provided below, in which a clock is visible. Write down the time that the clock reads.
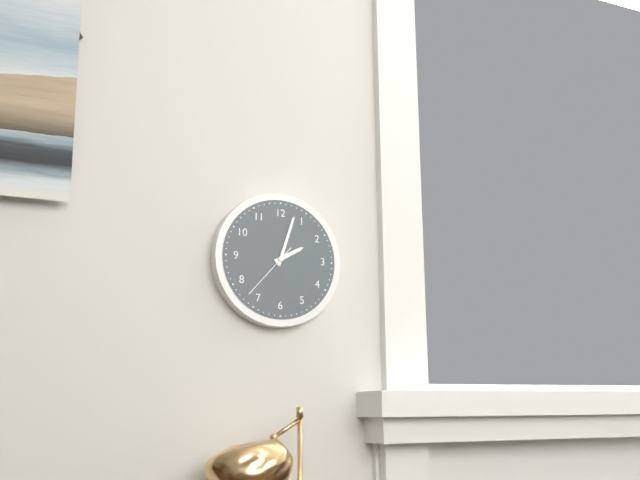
2:03:37
